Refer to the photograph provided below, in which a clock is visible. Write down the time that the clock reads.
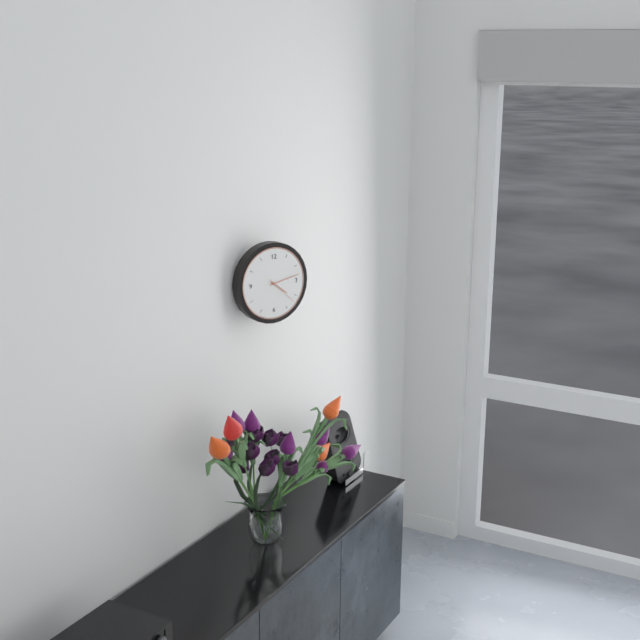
4:13
